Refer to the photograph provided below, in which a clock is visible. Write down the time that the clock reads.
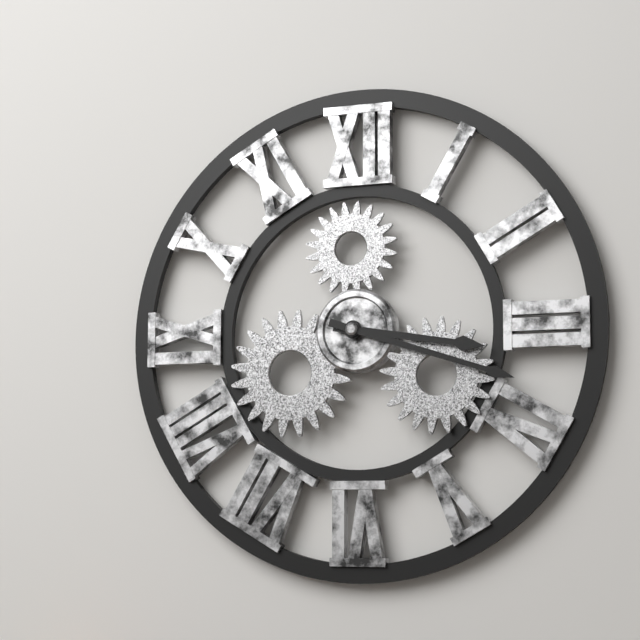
3:18
